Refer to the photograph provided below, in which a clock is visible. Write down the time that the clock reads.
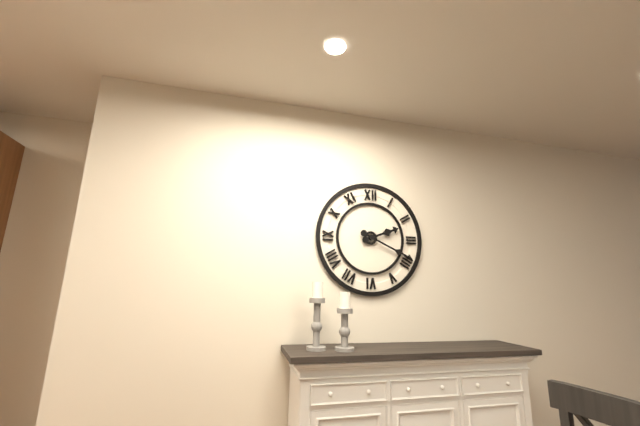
2:19
